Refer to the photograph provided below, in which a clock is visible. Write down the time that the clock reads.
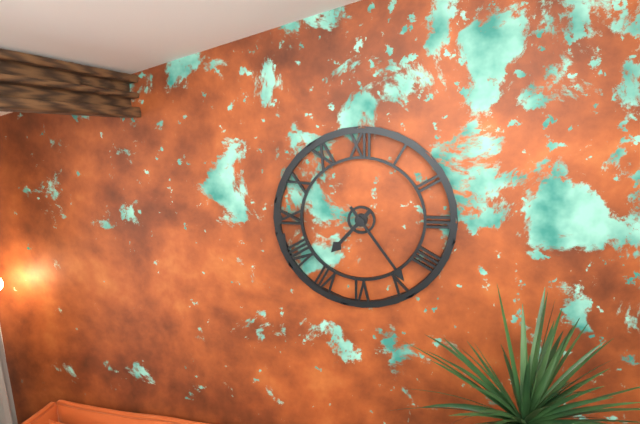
7:24
